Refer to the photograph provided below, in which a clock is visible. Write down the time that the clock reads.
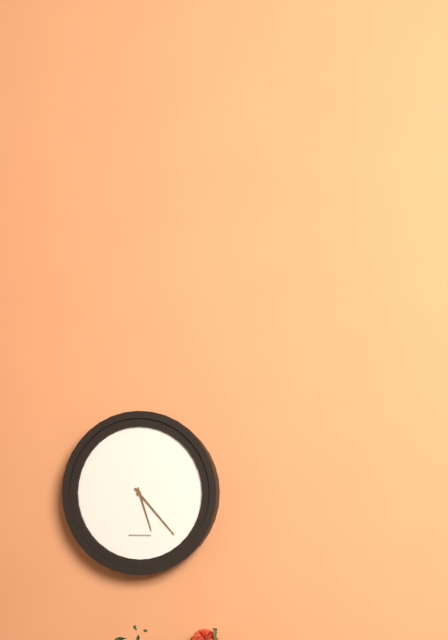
5:23
